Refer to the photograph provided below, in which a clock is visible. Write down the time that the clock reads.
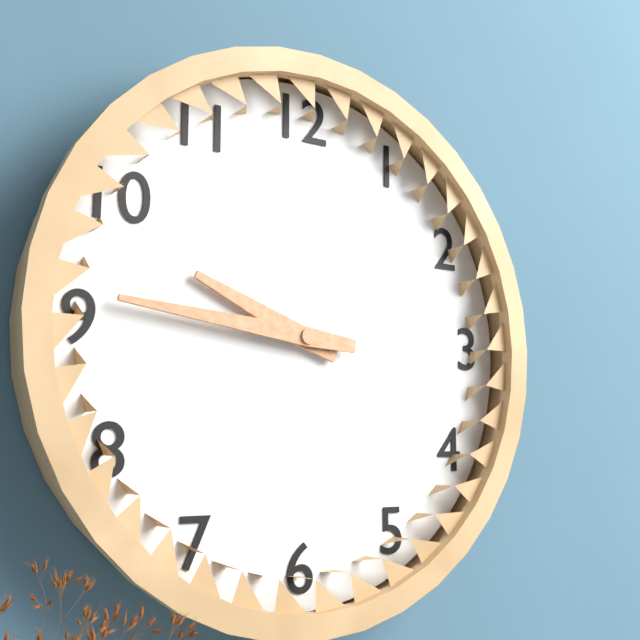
9:46
